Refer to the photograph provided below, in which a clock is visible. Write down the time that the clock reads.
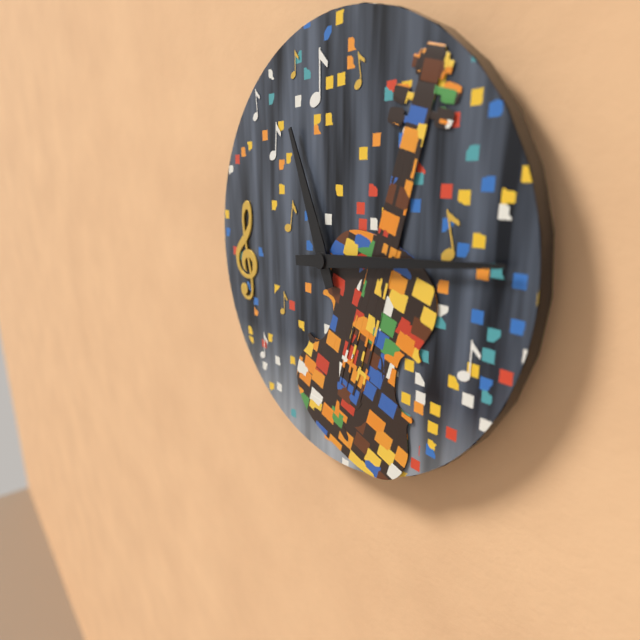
11:14
